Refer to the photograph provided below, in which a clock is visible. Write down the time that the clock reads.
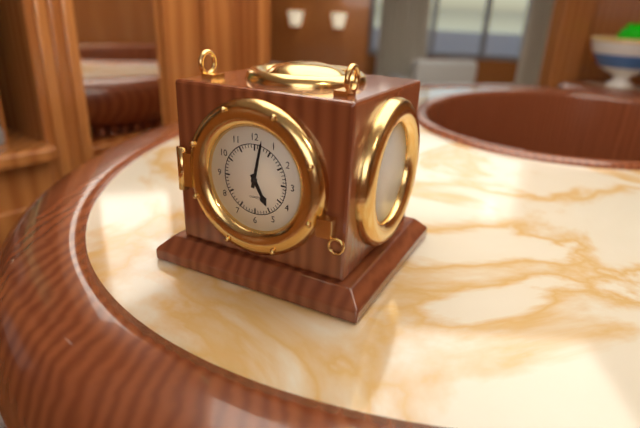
5:02
